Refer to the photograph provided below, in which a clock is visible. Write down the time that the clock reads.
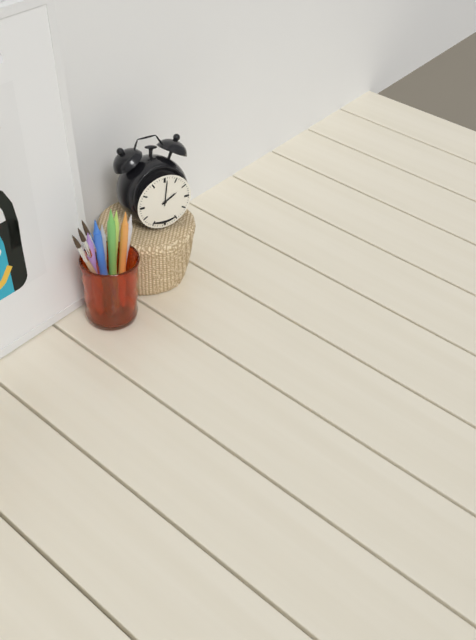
2:01
